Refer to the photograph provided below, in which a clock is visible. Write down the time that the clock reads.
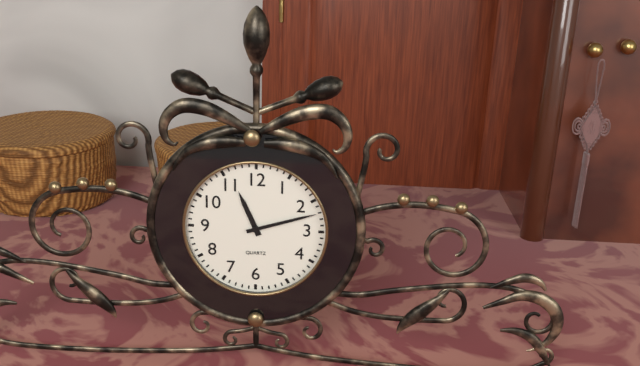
11:12
